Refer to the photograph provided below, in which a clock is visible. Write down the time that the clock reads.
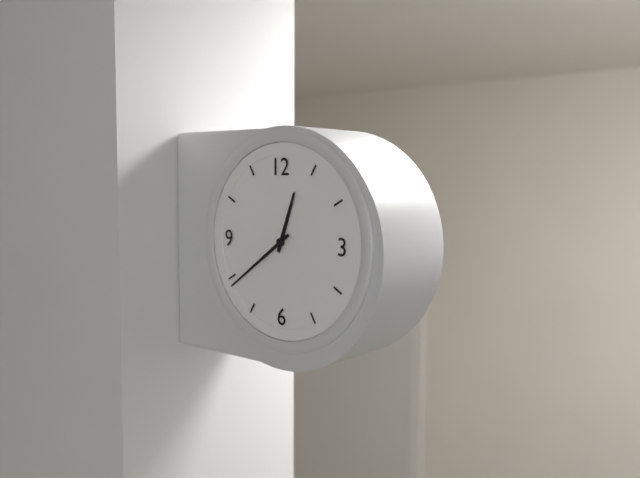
12:39
